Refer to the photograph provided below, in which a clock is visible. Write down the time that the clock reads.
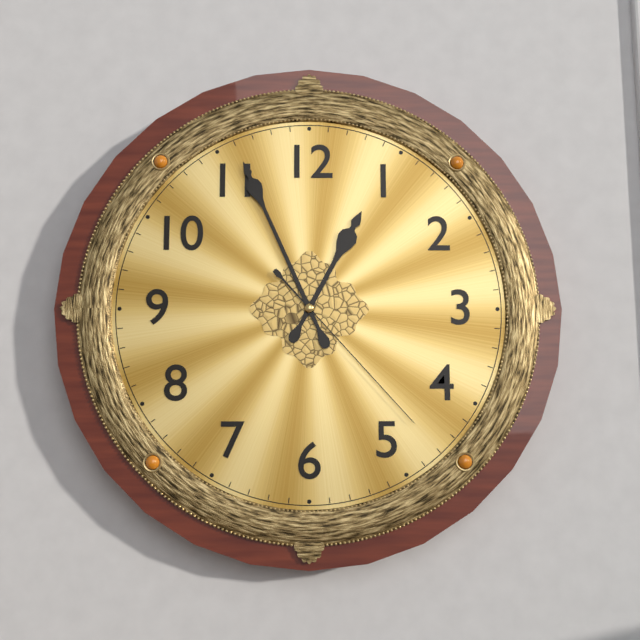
12:56:23
